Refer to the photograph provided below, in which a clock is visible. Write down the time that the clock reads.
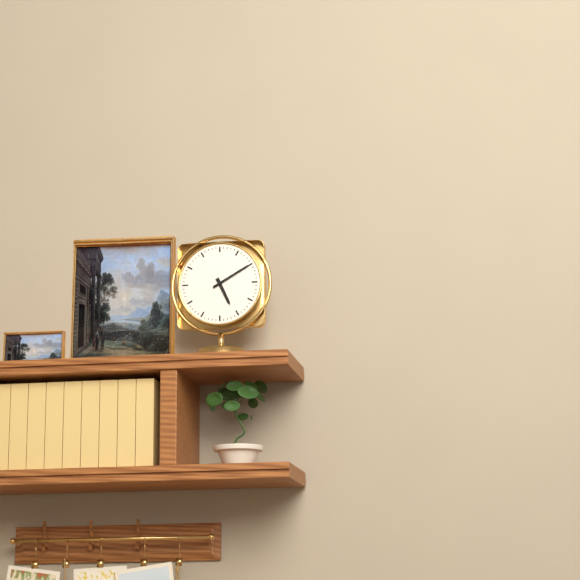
5:10
